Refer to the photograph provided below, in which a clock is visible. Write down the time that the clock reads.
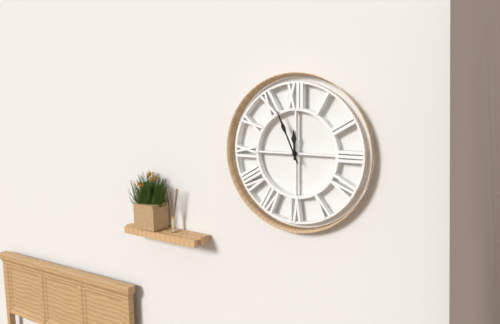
11:56
